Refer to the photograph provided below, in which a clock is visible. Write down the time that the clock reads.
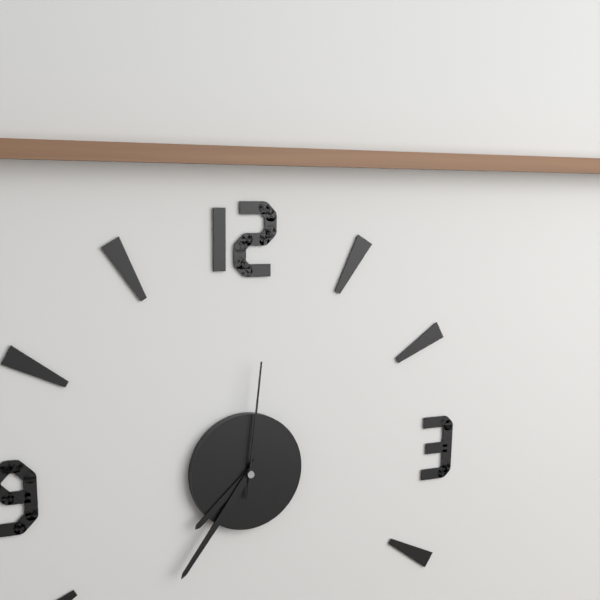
7:36:01
